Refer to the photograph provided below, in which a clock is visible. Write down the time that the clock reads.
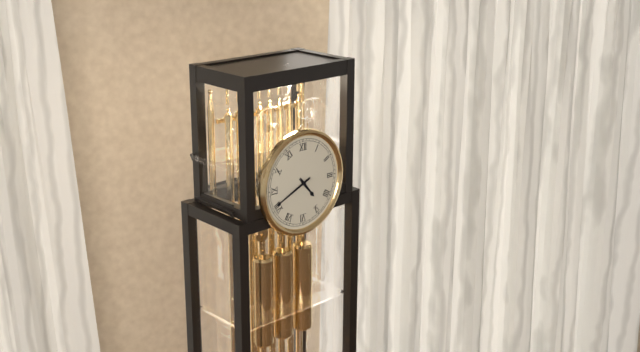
4:41
